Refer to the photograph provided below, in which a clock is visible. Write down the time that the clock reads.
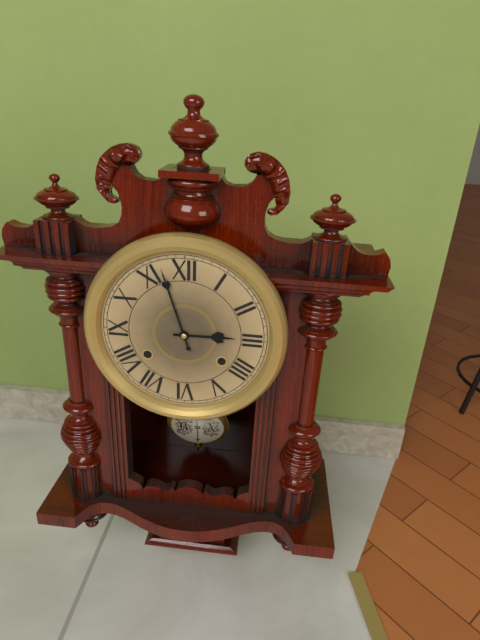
2:57
